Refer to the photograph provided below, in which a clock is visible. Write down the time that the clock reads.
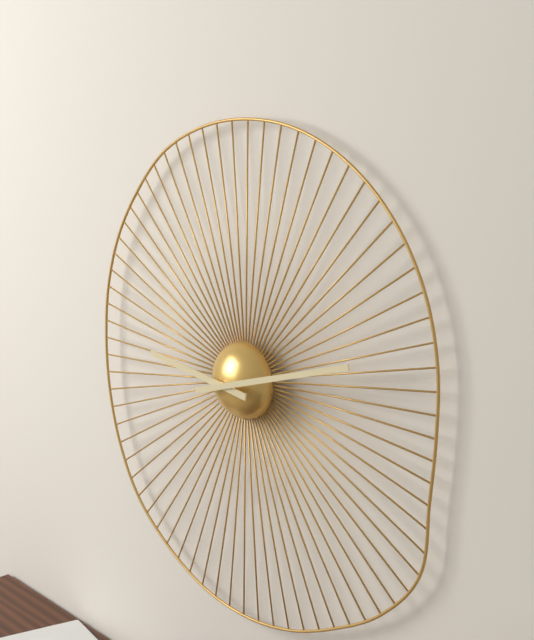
9:12
